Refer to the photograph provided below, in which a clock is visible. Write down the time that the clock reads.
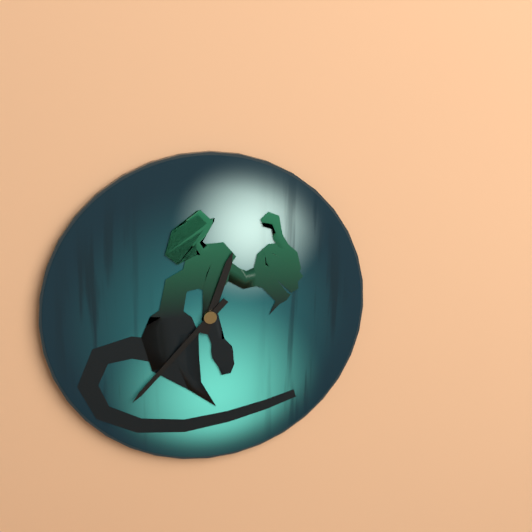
12:37
